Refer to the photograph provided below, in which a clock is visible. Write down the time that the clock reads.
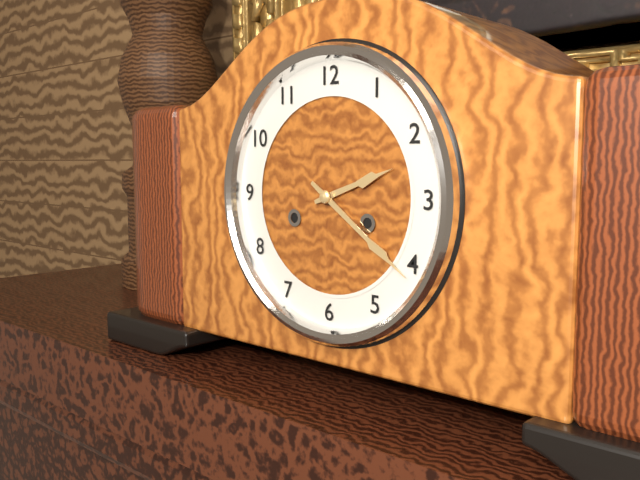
2:21
